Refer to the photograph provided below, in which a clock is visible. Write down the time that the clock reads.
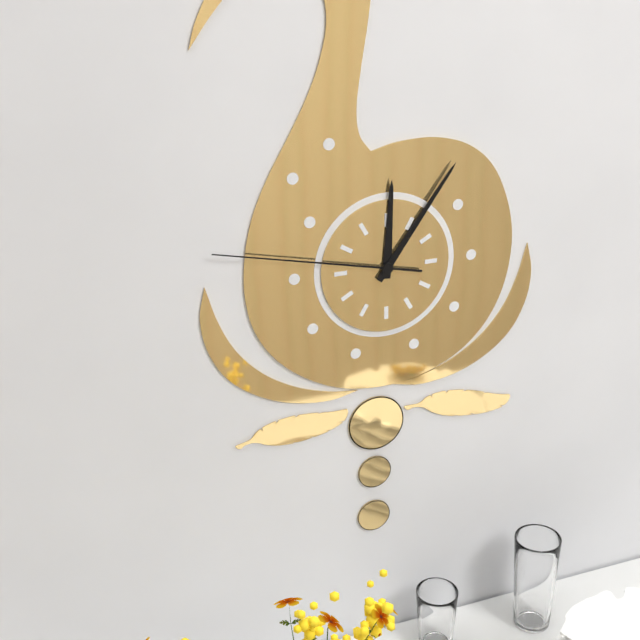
12:06:47
